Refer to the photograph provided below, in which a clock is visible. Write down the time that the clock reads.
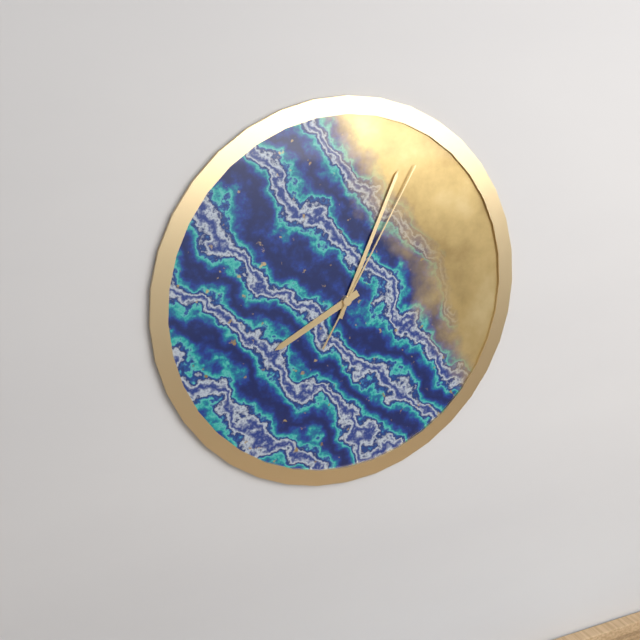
8:04:05
